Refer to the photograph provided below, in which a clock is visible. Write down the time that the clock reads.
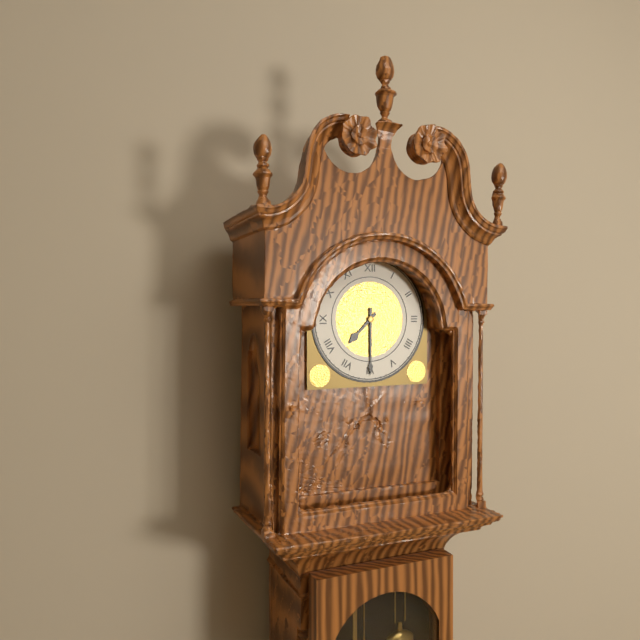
7:30
